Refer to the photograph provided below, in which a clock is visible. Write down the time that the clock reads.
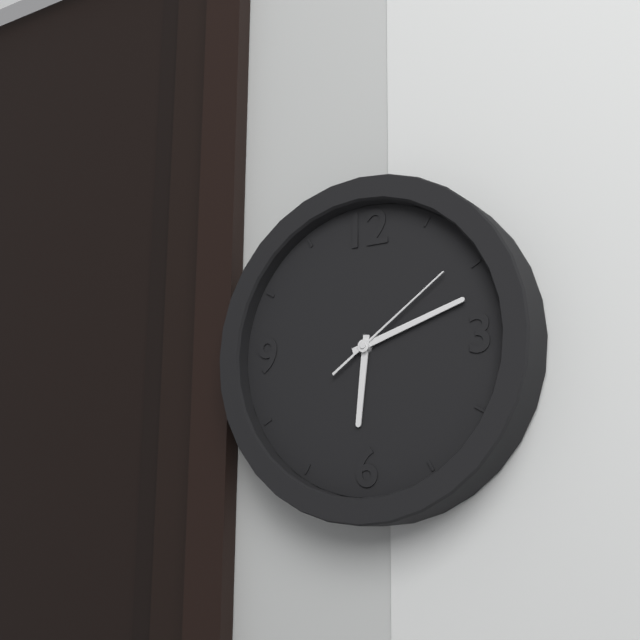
6:12:09
